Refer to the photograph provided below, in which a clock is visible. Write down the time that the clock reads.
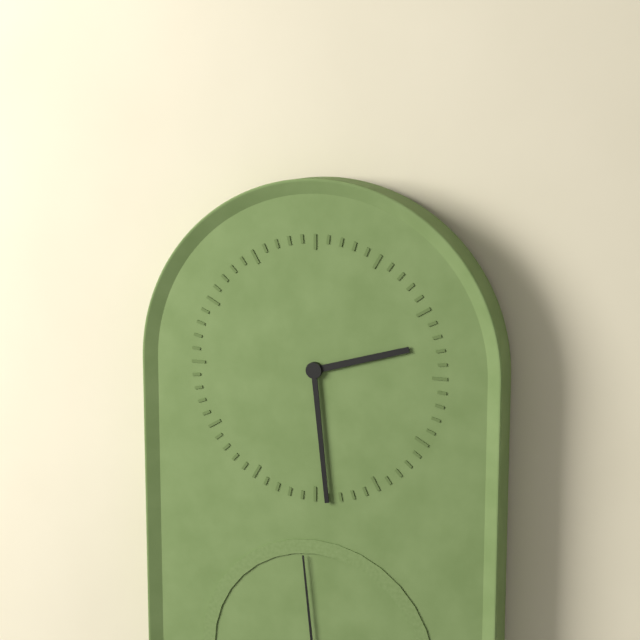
2:29:59
